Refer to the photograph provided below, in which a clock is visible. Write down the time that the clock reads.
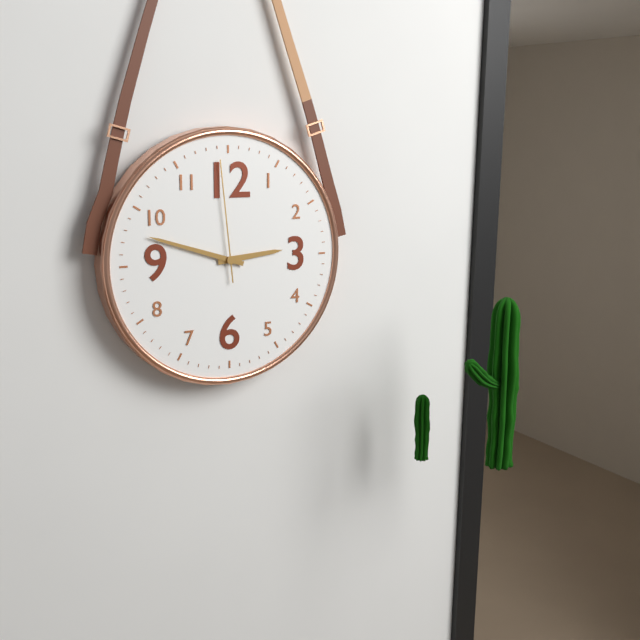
2:48:59
